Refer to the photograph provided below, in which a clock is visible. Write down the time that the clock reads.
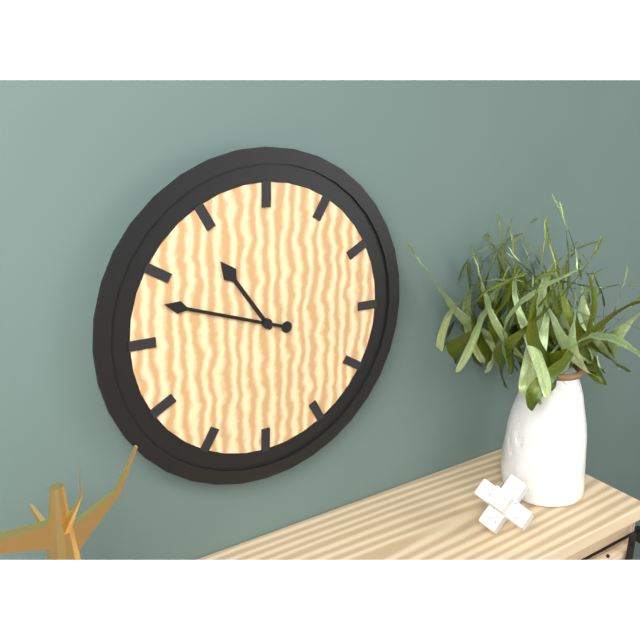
10:48
